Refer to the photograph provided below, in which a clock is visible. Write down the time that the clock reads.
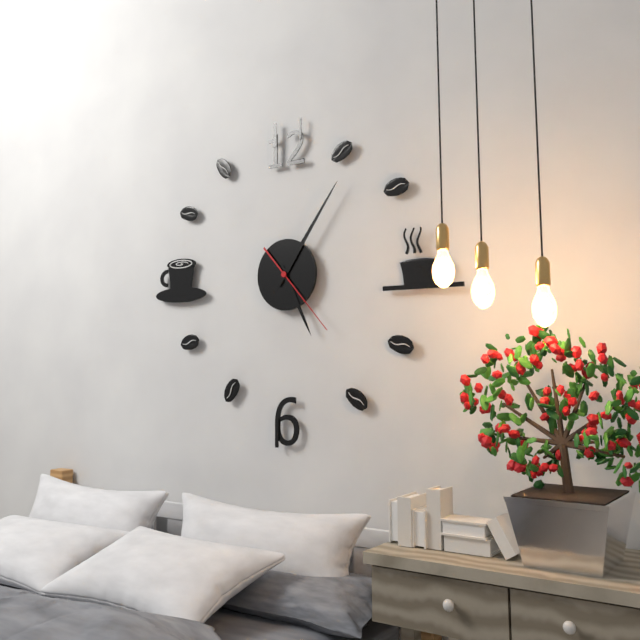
5:06:23
